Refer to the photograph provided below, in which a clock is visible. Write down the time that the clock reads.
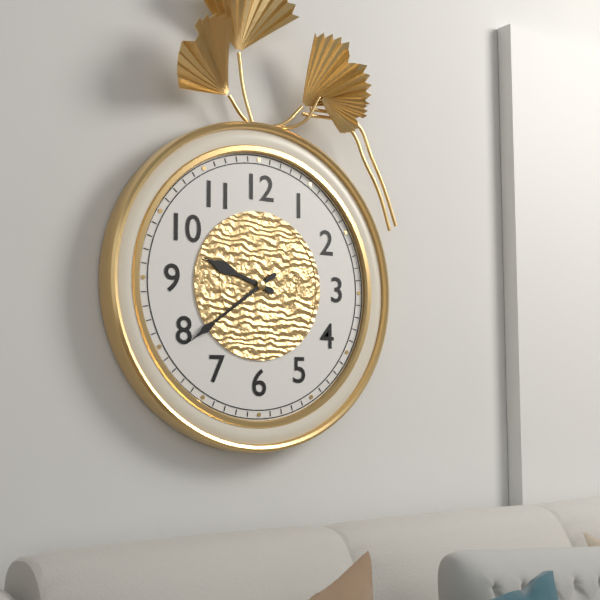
9:39
